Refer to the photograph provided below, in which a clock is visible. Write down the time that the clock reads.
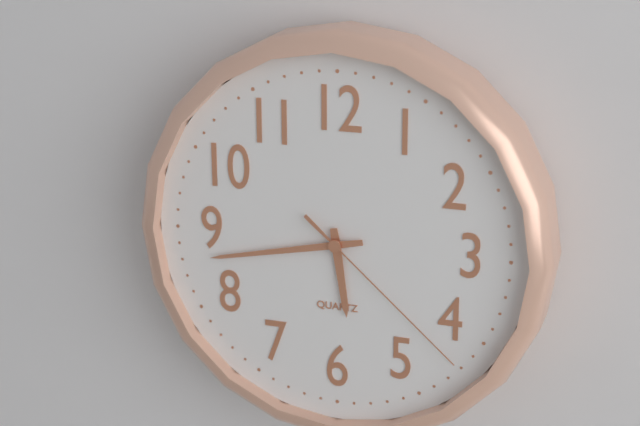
5:43:22
